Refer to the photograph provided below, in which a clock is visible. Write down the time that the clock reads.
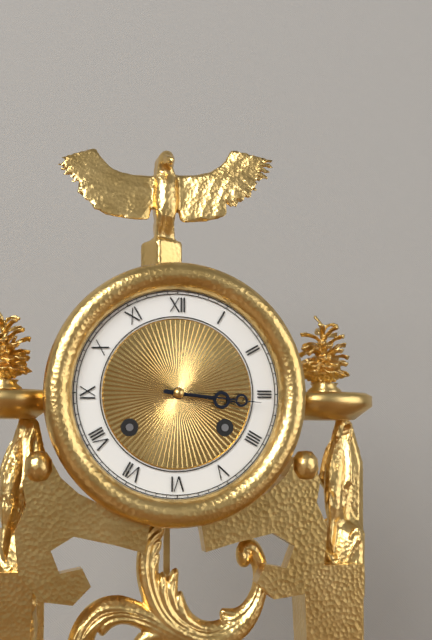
3:16
